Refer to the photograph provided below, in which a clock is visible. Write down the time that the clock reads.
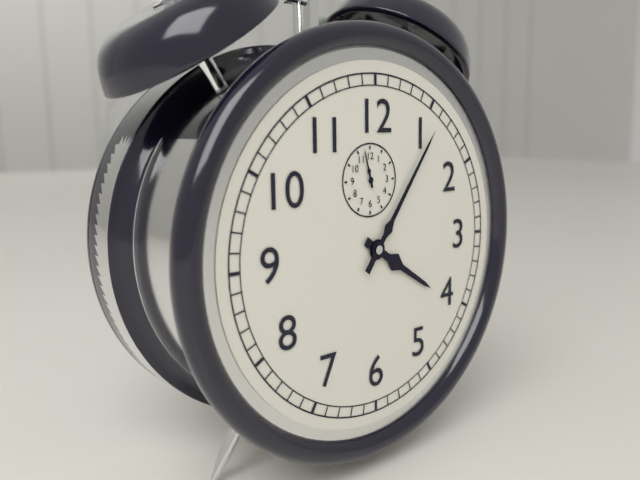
4:06
